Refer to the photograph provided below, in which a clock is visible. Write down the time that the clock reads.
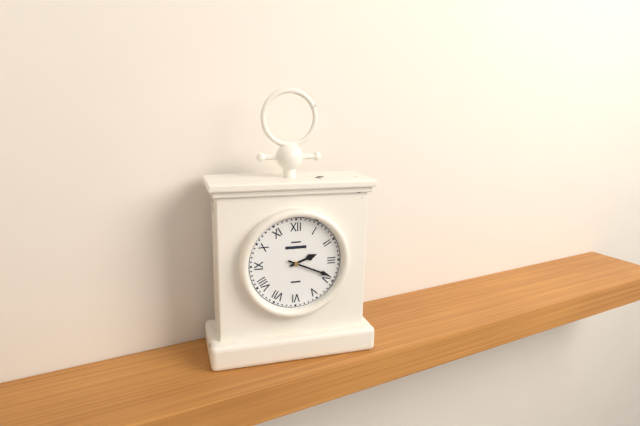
2:19
